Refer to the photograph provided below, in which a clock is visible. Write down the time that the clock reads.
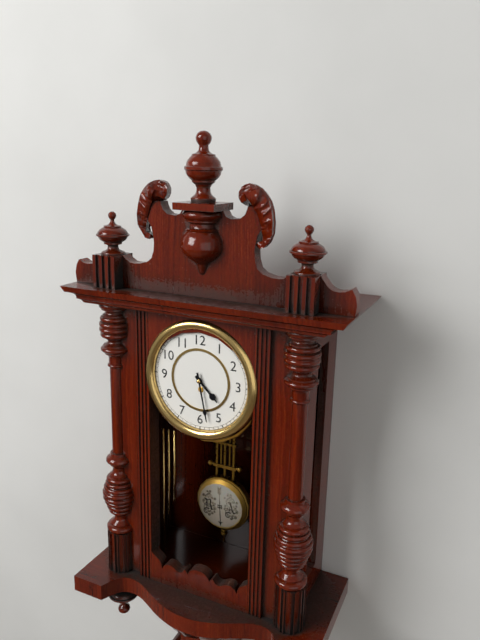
4:28
